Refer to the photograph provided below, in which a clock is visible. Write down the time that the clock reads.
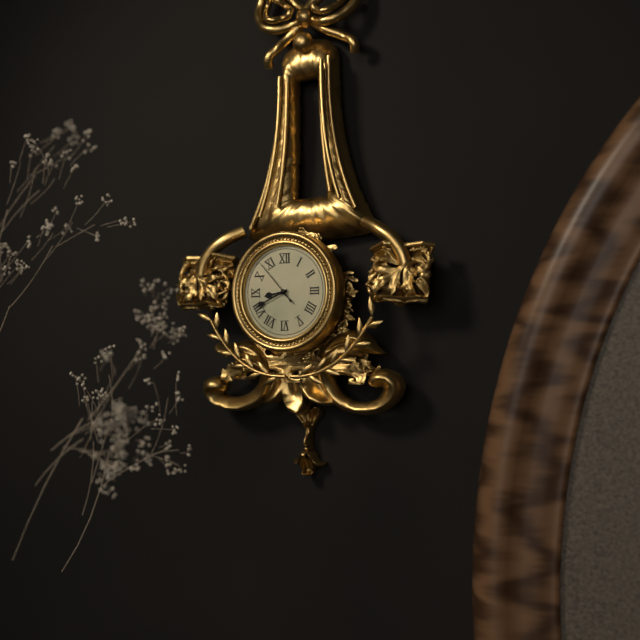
8:41
